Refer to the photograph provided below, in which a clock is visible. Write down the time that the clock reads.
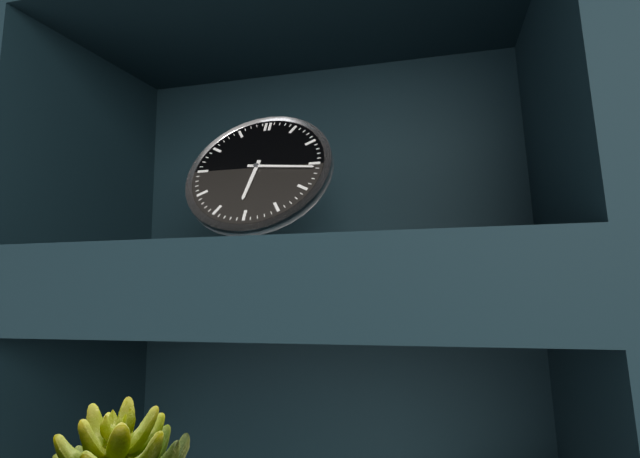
6:16
